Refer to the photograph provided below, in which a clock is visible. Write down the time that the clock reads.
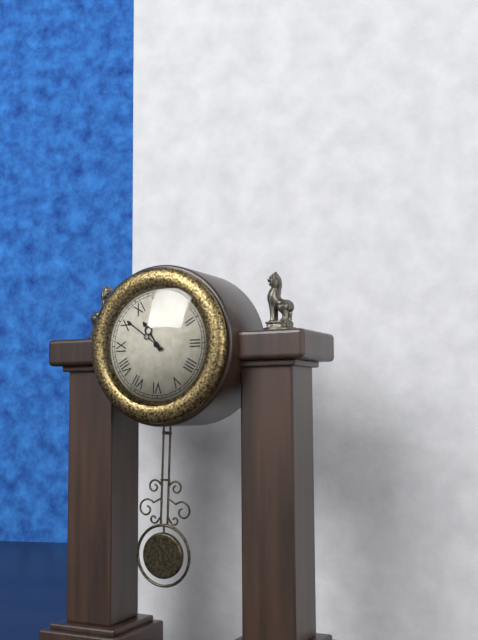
10:51
